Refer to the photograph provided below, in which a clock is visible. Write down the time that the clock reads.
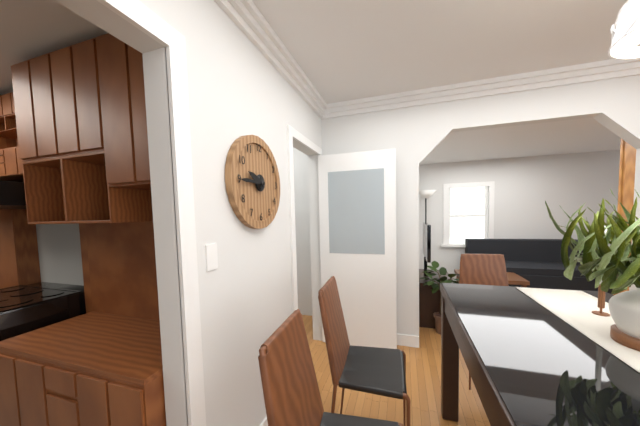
9:45
